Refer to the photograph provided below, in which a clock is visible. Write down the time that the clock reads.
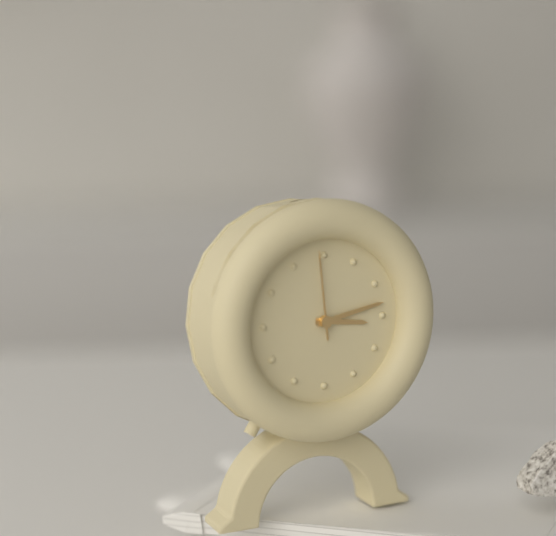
3:13:59
